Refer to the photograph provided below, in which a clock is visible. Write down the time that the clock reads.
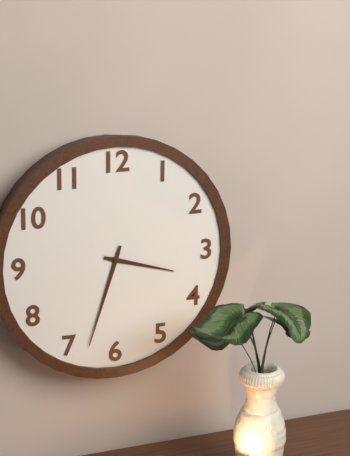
3:33
